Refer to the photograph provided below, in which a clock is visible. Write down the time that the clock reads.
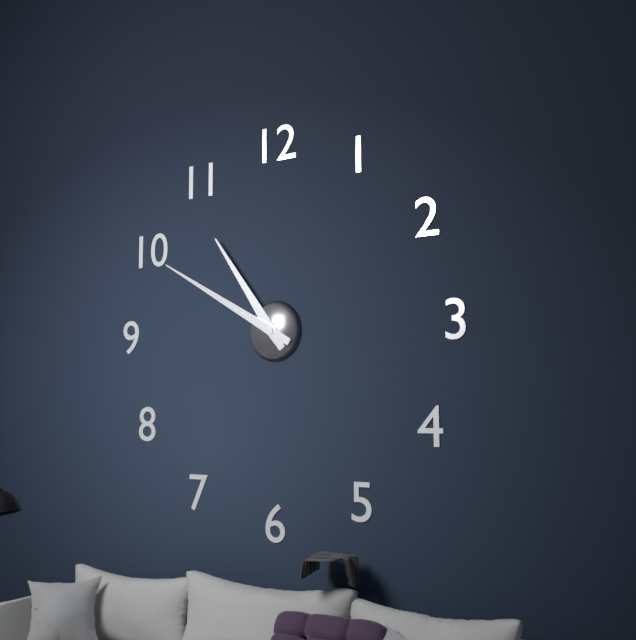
10:50
